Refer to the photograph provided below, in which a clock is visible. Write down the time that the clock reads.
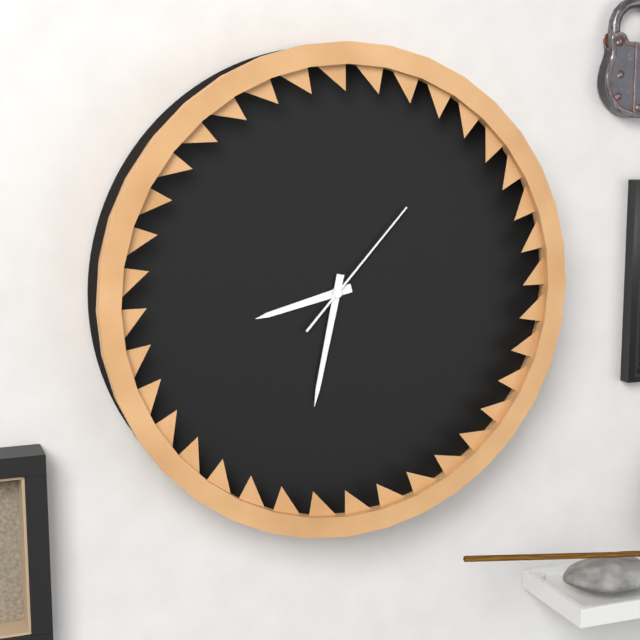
8:32:07
